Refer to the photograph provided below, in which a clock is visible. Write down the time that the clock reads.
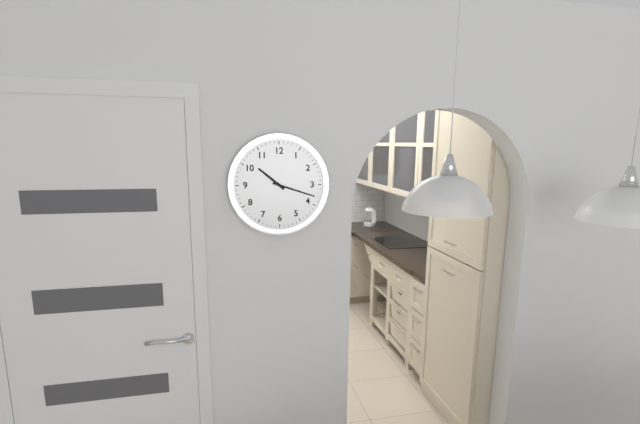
10:18
